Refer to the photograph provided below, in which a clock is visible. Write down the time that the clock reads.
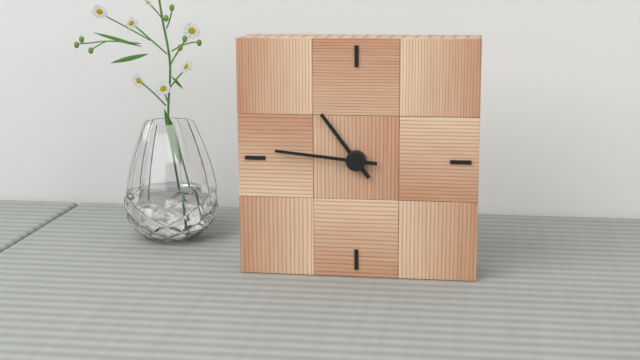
10:46
